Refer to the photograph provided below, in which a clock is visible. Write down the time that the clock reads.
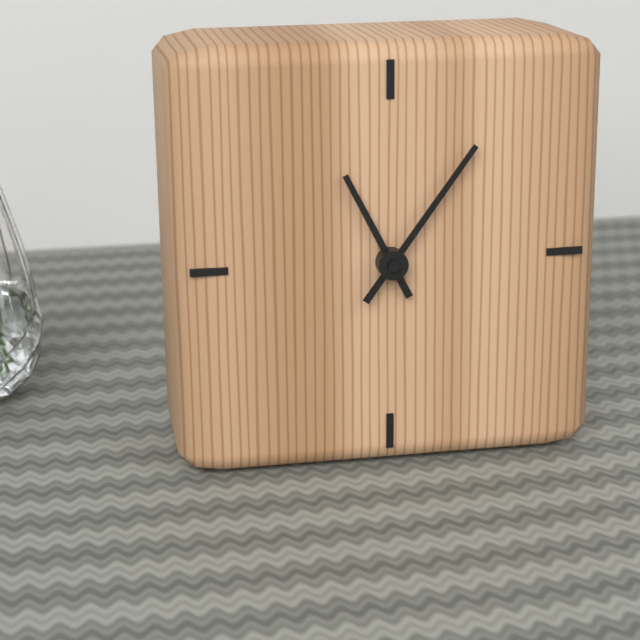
11:06
